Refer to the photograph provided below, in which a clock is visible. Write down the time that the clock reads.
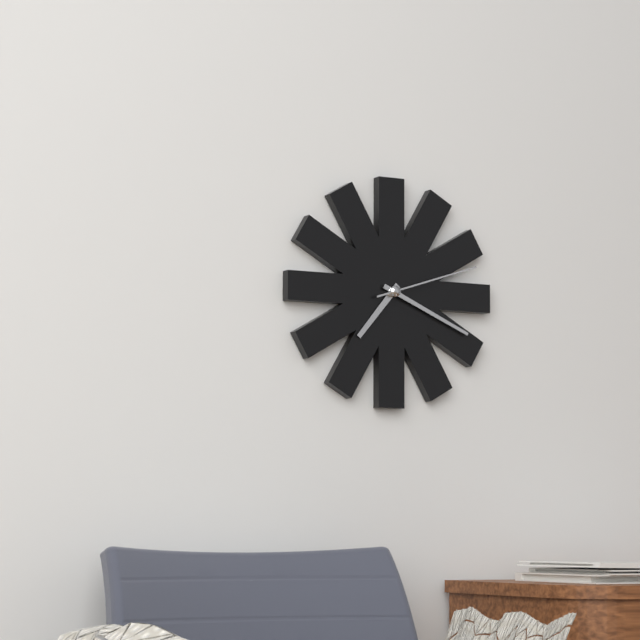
7:19:12
